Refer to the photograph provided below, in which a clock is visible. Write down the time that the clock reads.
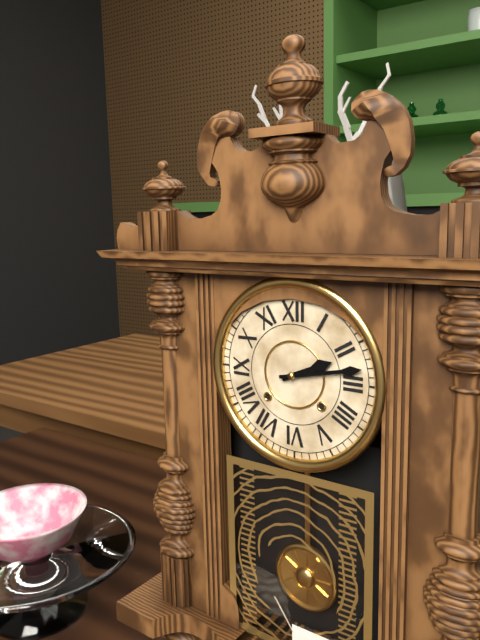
2:13
